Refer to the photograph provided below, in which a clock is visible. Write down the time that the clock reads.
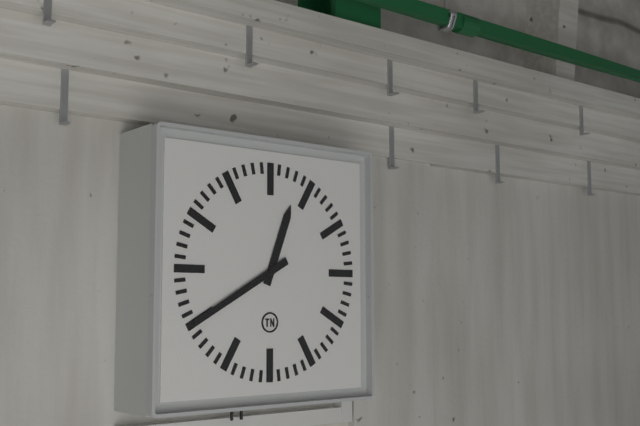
12:40
